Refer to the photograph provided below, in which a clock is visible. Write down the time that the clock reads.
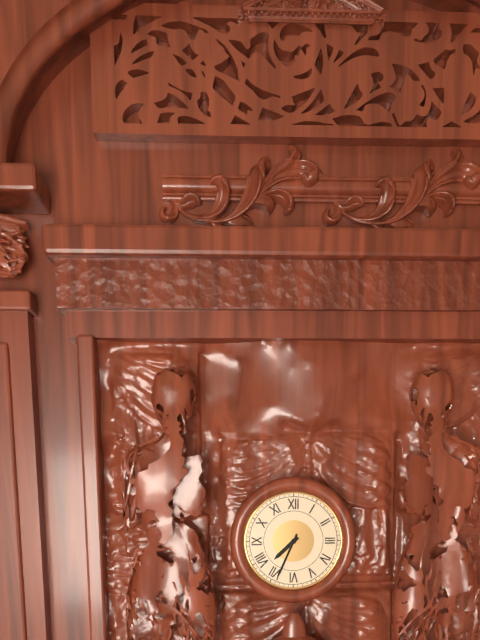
7:34
